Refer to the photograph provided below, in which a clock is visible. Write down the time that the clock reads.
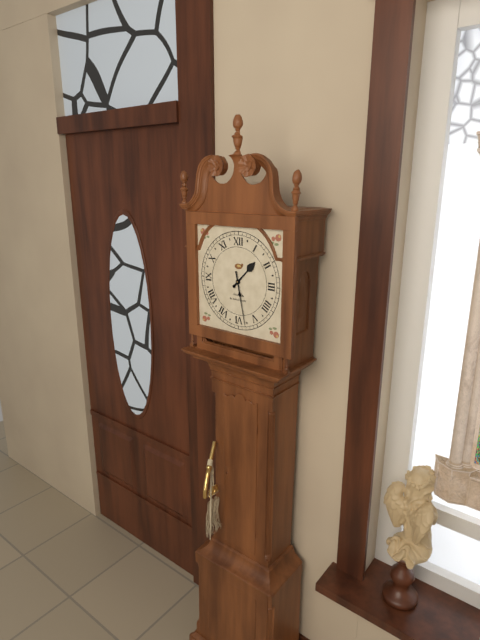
1:28
